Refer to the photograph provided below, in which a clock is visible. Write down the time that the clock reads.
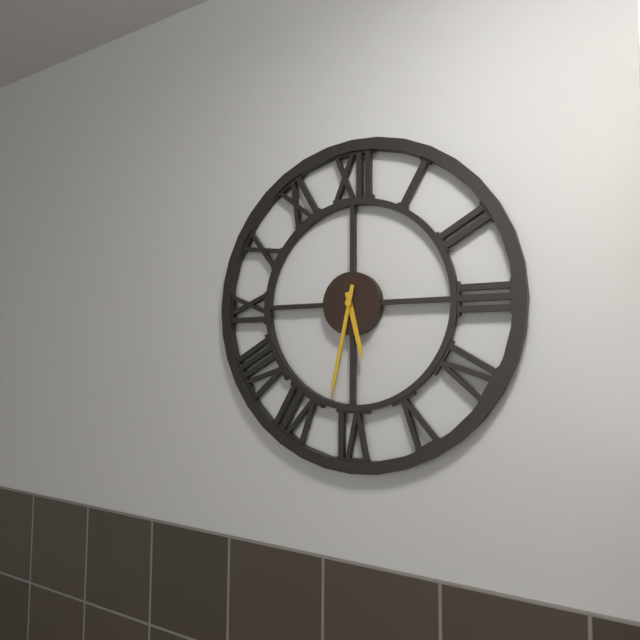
5:32
